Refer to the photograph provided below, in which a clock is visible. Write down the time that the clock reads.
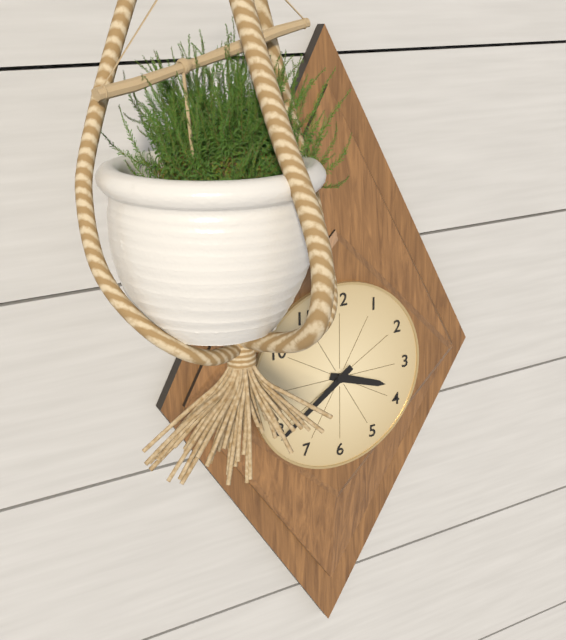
3:39
